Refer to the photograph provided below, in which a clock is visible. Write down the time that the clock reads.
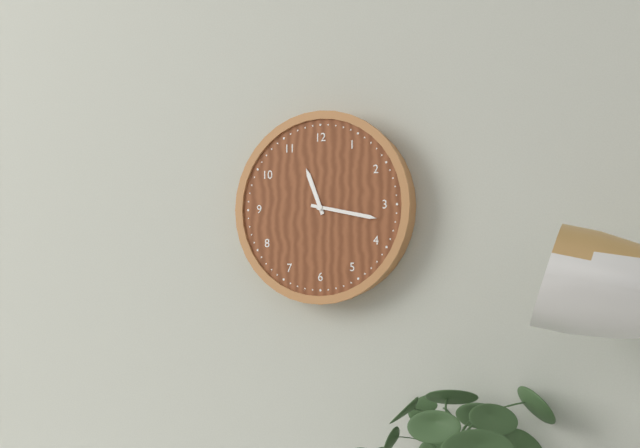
11:17
